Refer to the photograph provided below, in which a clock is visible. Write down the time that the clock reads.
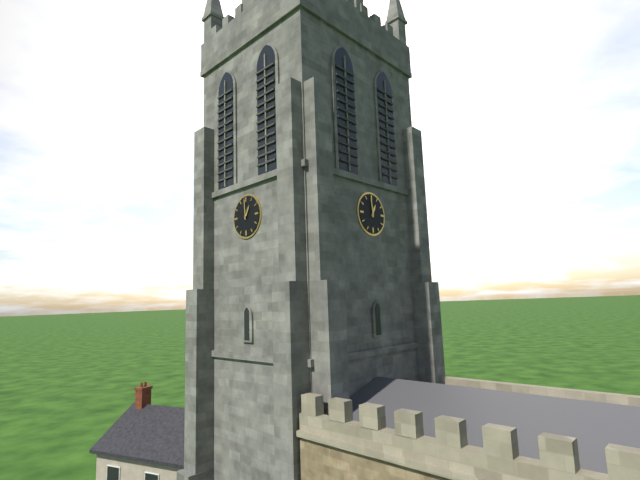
12:59
